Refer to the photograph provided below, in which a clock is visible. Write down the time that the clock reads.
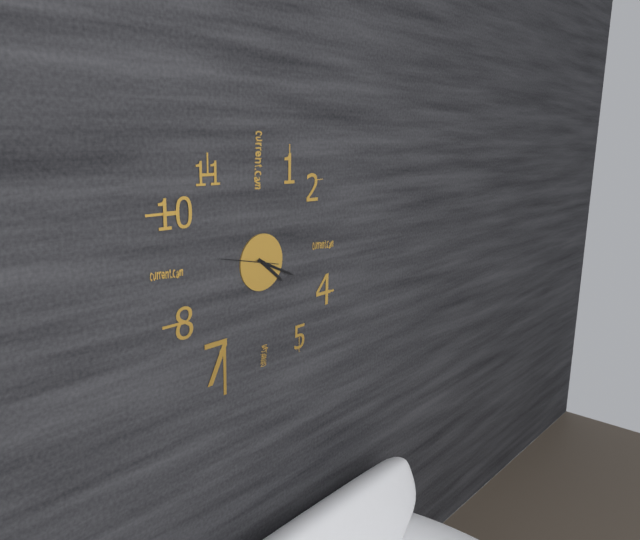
4:19:47
